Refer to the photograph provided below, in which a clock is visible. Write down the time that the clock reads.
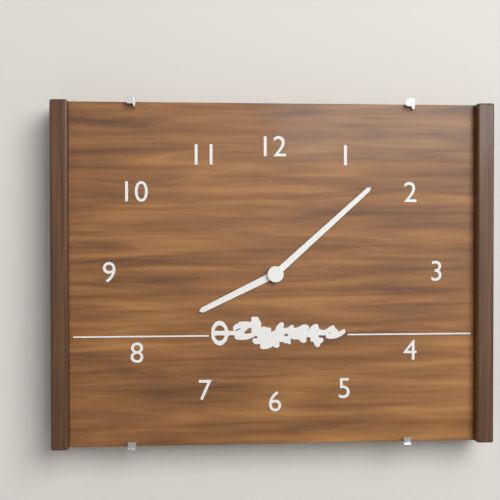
8:08
